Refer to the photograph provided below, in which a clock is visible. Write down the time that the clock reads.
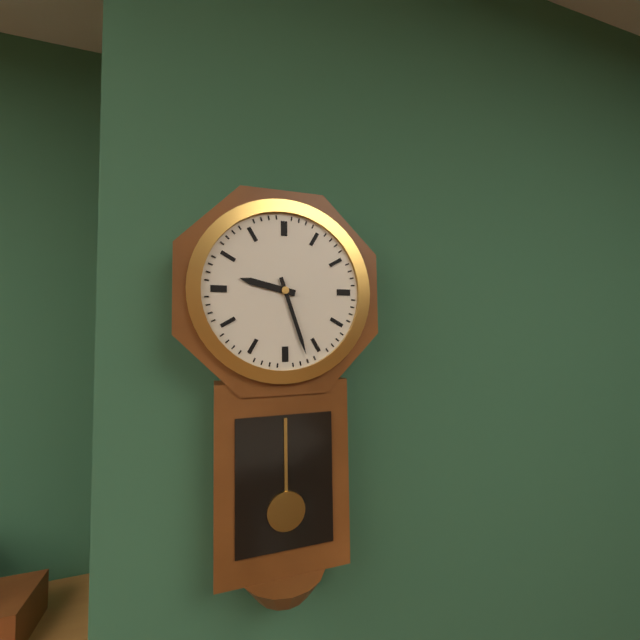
9:27
